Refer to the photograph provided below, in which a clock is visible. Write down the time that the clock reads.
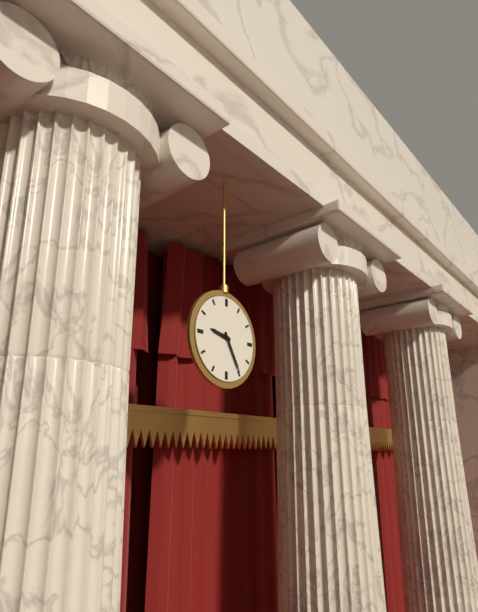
9:25
